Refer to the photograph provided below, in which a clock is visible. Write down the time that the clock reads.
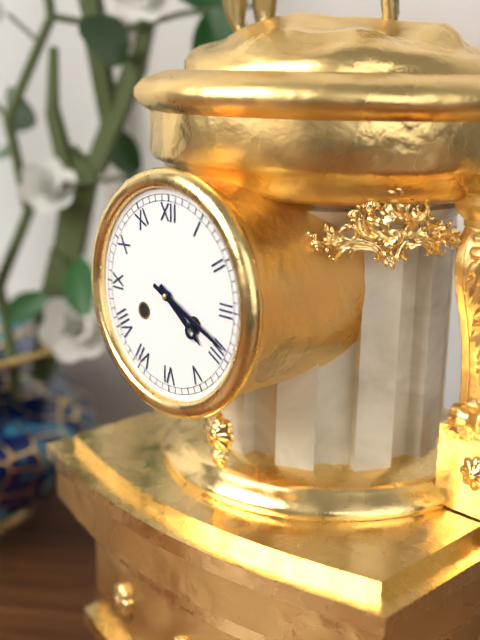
4:19
